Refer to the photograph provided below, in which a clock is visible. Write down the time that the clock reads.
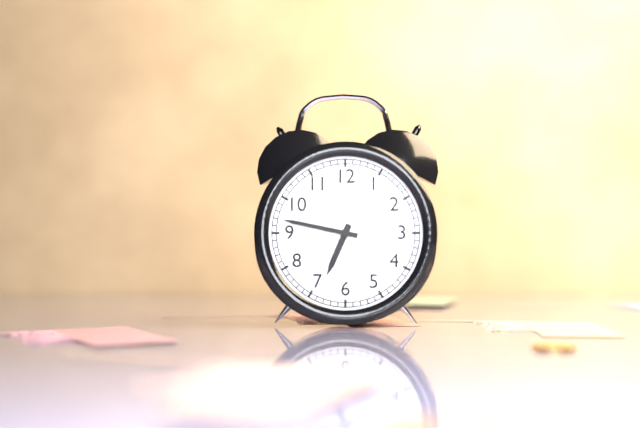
6:47
